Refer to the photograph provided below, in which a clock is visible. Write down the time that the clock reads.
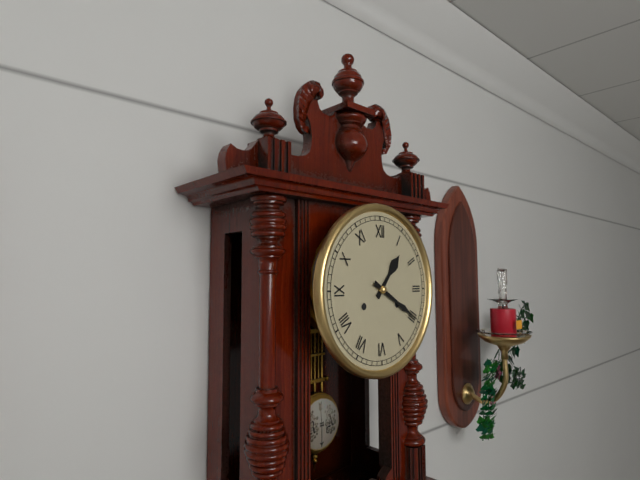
1:20
